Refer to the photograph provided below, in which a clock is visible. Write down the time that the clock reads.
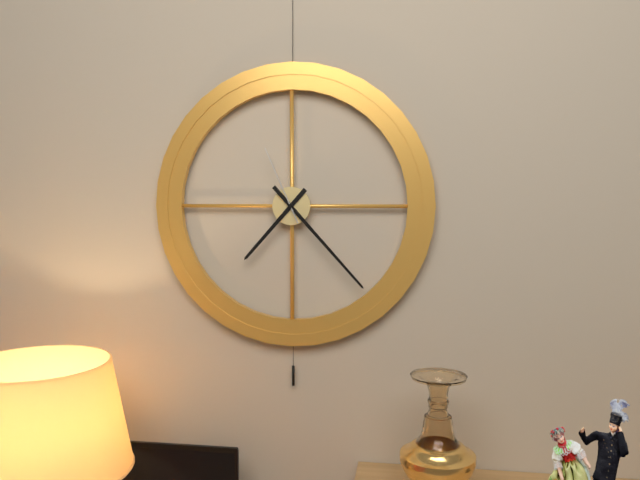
7:23:56
